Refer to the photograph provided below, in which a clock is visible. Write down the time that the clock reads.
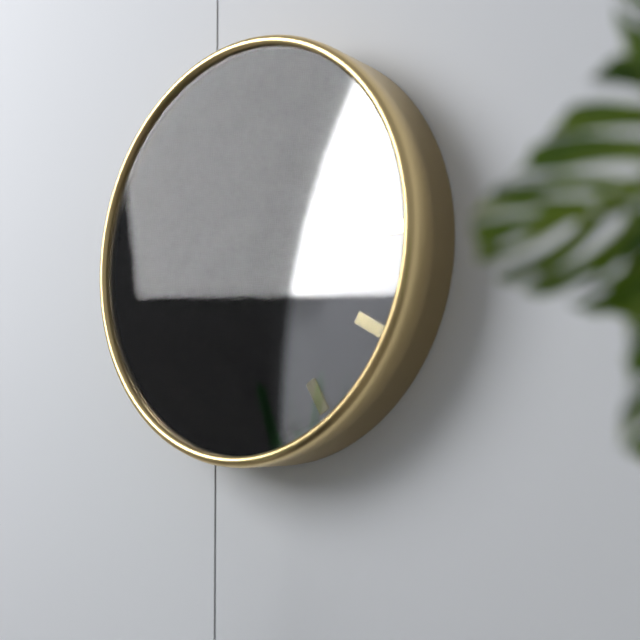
6:26
